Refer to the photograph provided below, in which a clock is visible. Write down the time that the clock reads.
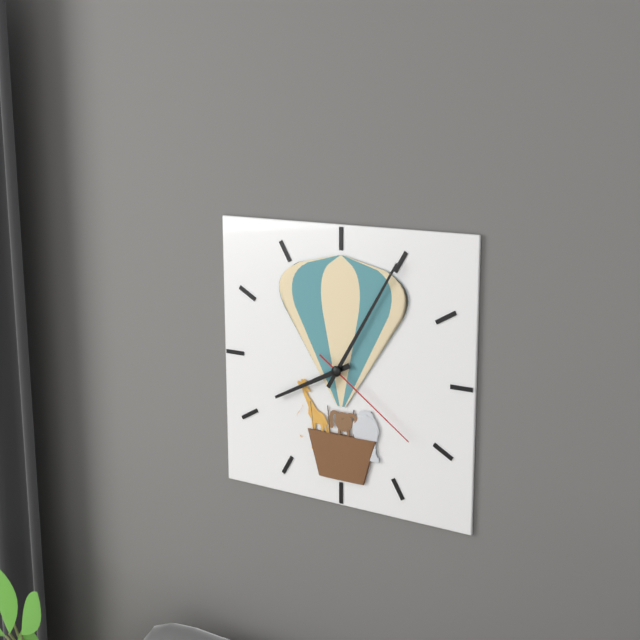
8:05:21
